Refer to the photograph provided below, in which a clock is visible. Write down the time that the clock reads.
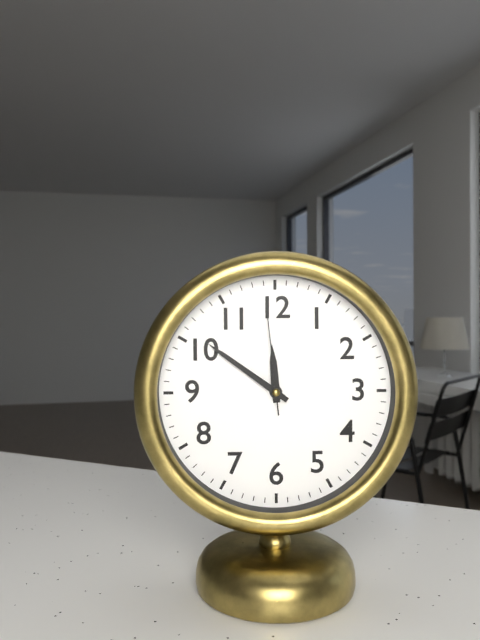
11:51:59
